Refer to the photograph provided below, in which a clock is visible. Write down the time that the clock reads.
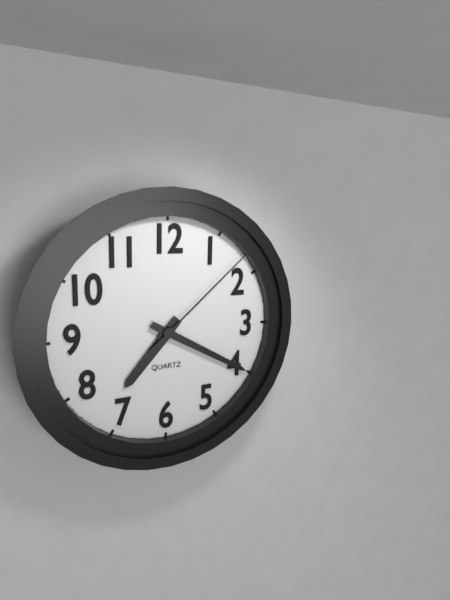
7:20:08
